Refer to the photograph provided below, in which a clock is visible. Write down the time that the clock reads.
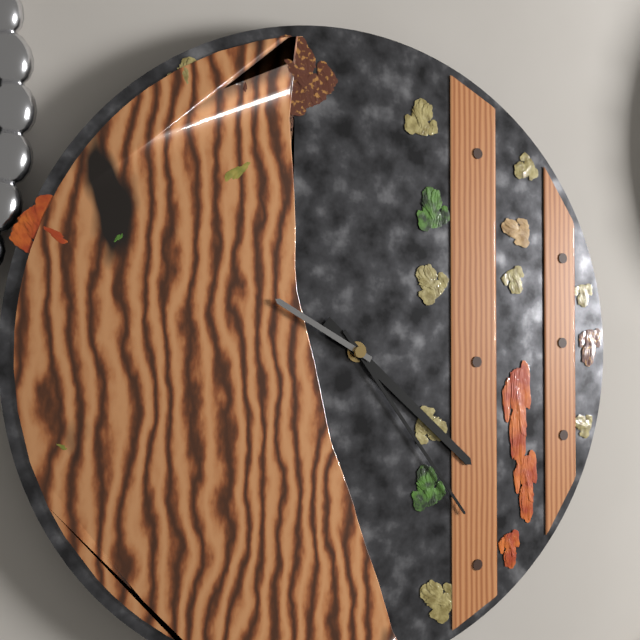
4:24:50
